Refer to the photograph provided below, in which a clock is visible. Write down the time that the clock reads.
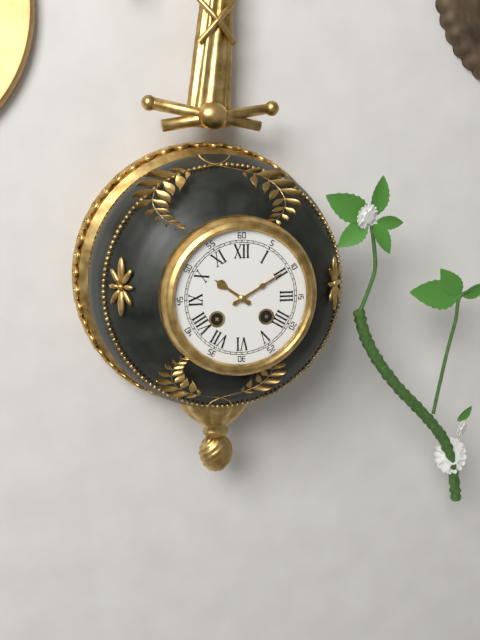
10:10
